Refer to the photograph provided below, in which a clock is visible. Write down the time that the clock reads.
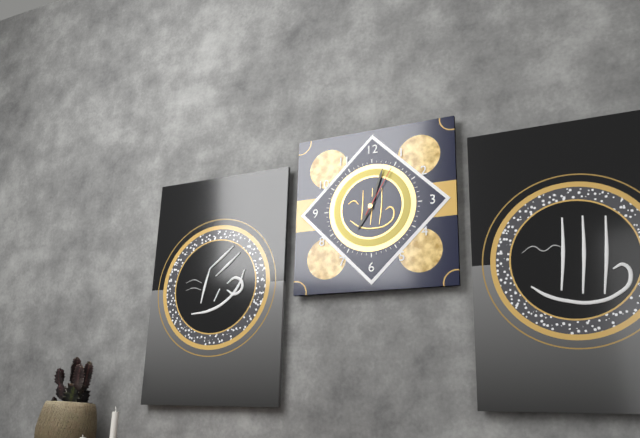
7:03:05
